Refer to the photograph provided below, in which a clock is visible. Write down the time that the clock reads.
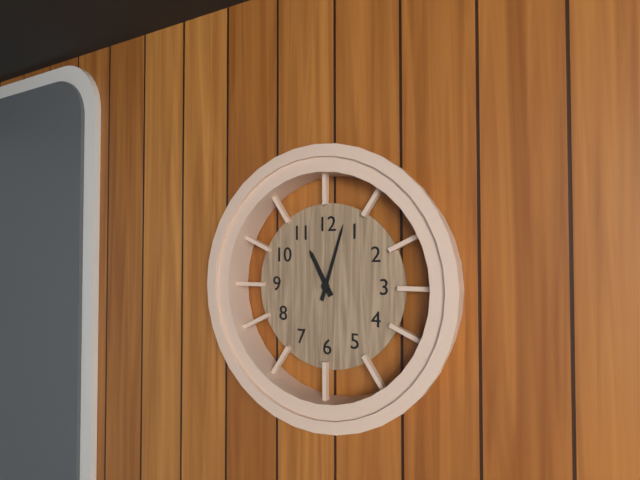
11:03
